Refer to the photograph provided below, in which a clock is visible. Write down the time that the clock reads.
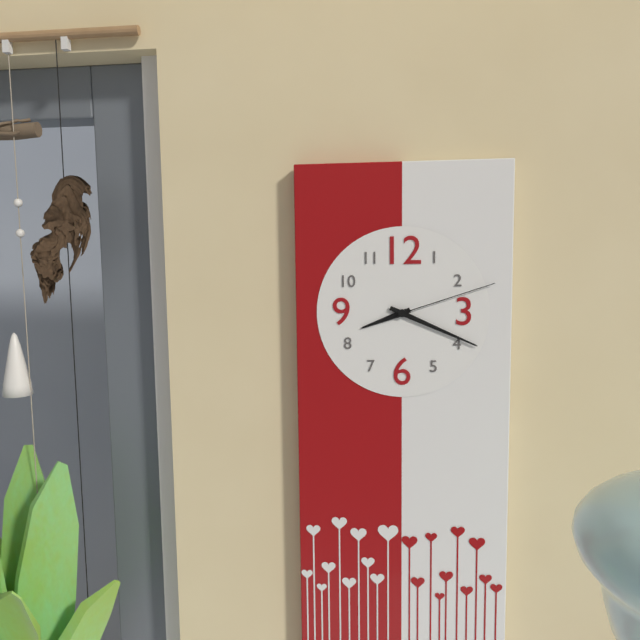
8:19:12
